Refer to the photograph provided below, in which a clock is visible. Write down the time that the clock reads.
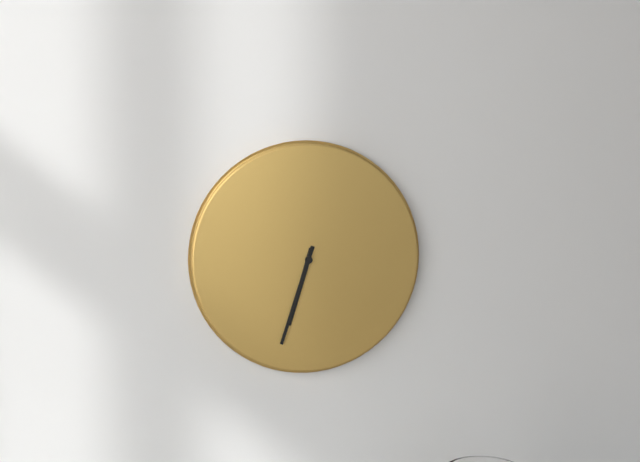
6:33
